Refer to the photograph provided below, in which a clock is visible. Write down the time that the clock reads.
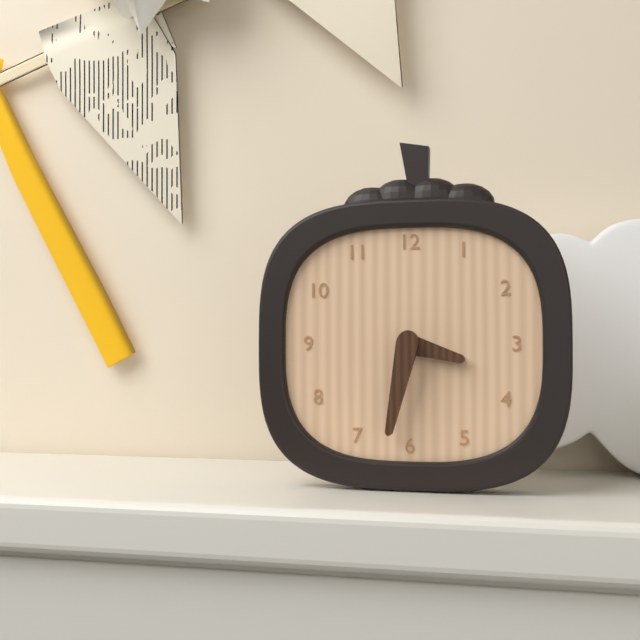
3:32
